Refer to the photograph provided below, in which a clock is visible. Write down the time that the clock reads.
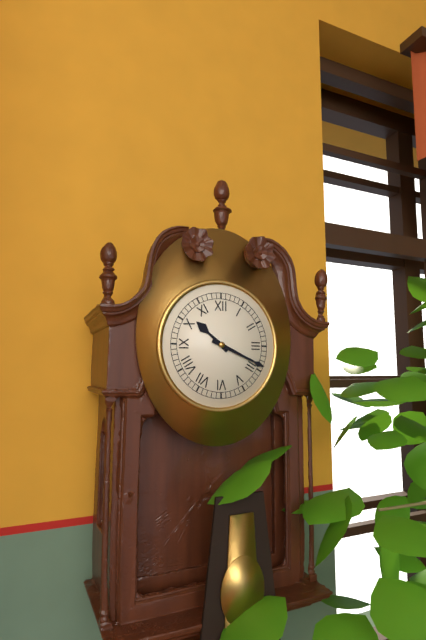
10:19
